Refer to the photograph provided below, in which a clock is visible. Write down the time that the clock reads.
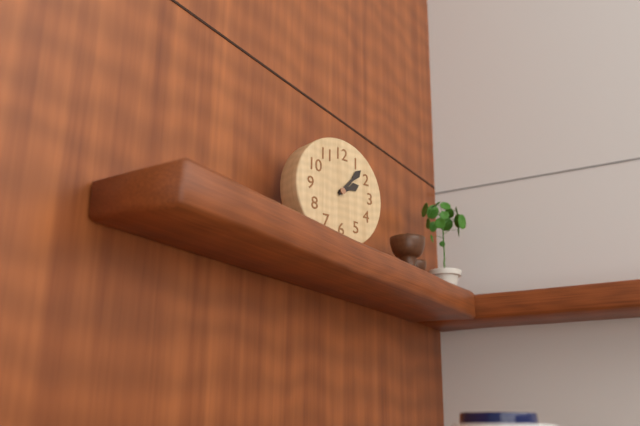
2:07
